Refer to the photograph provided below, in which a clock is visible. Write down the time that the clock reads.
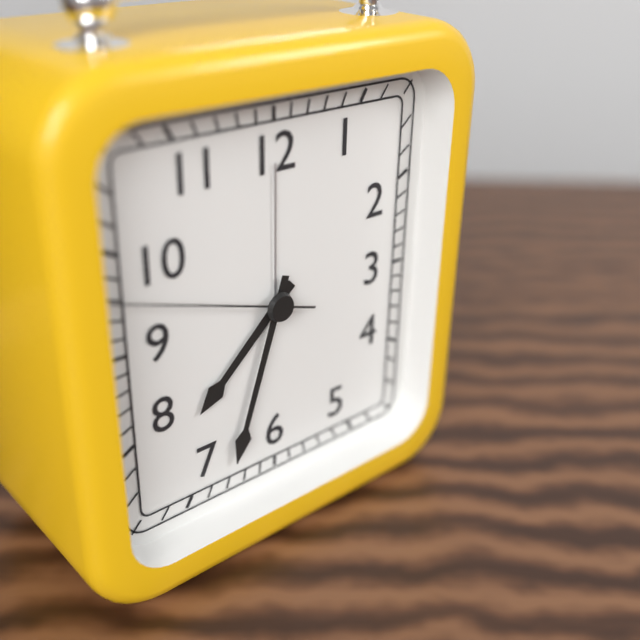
7:33:48
